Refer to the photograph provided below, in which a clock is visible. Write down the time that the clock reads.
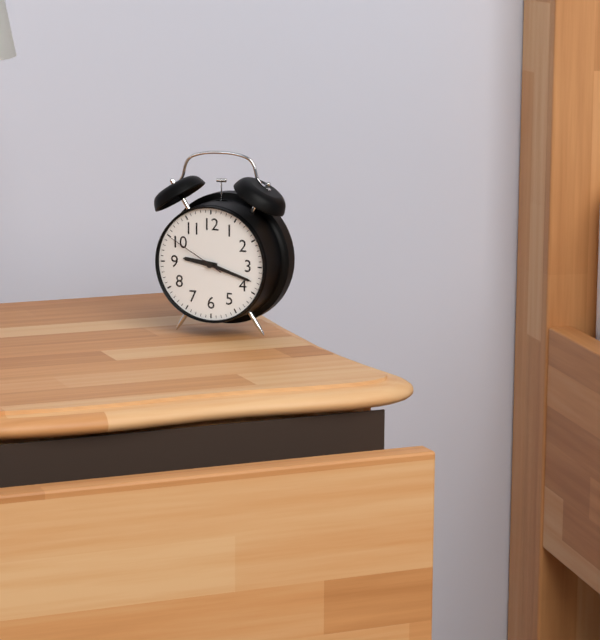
9:18:50
